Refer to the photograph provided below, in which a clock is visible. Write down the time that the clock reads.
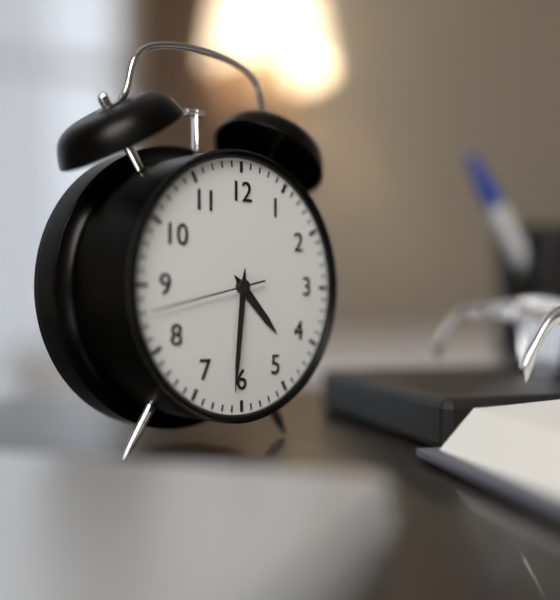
4:31:43
